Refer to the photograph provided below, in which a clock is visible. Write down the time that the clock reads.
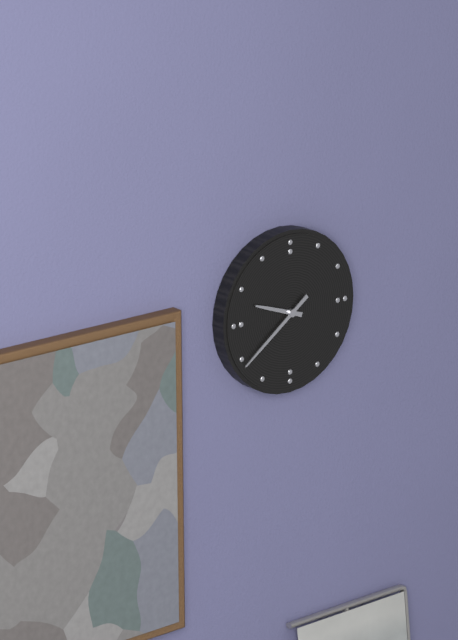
9:39
